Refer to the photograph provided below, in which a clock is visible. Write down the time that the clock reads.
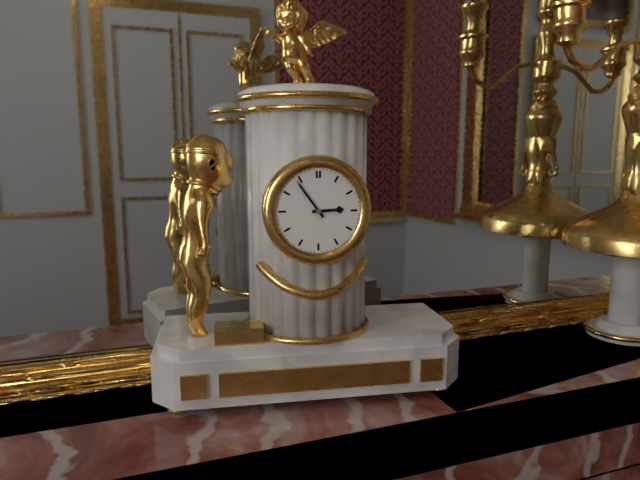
2:54
